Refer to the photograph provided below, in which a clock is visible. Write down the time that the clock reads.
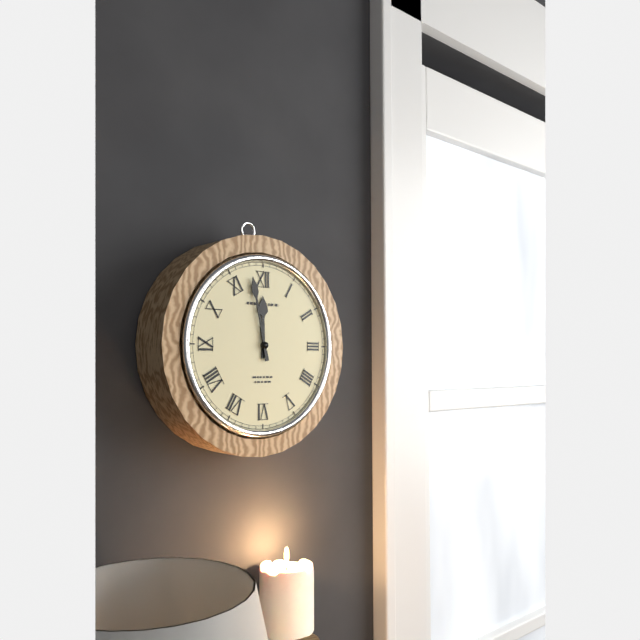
11:58
